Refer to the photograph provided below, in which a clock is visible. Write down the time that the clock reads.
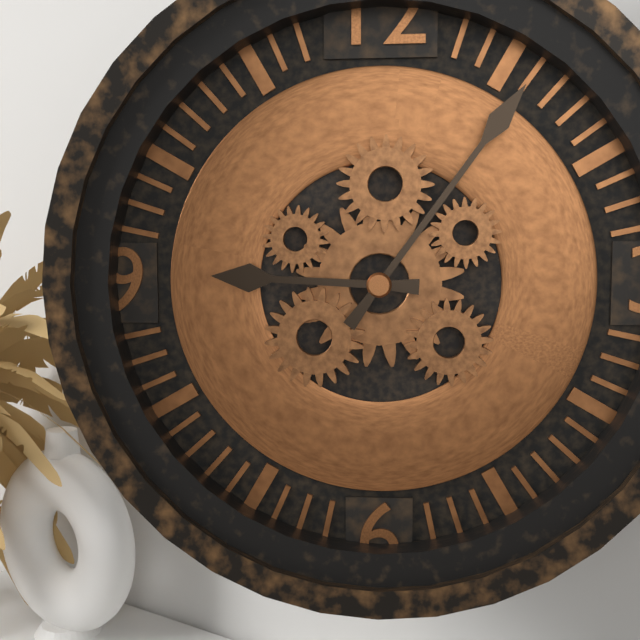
9:06
